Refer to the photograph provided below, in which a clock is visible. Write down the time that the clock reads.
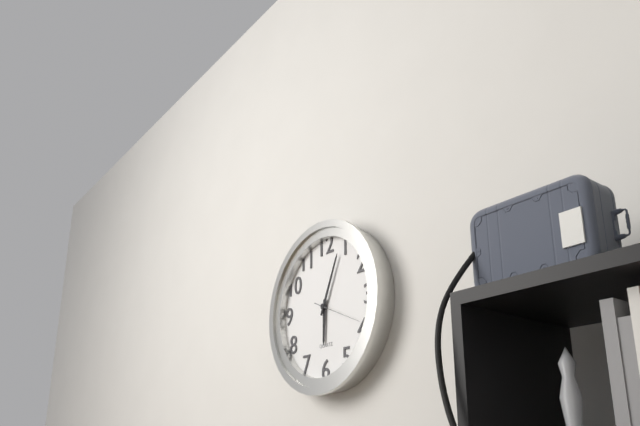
6:04
